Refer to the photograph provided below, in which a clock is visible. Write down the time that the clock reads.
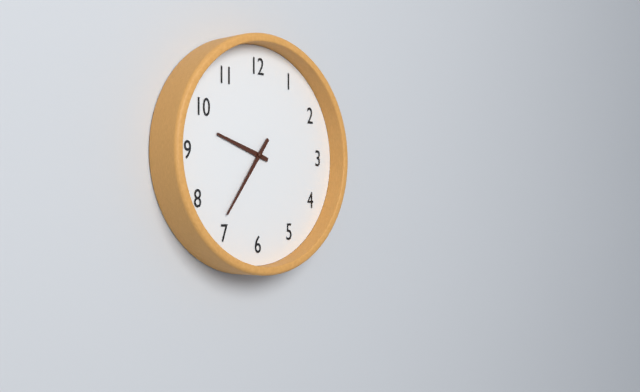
9:36
